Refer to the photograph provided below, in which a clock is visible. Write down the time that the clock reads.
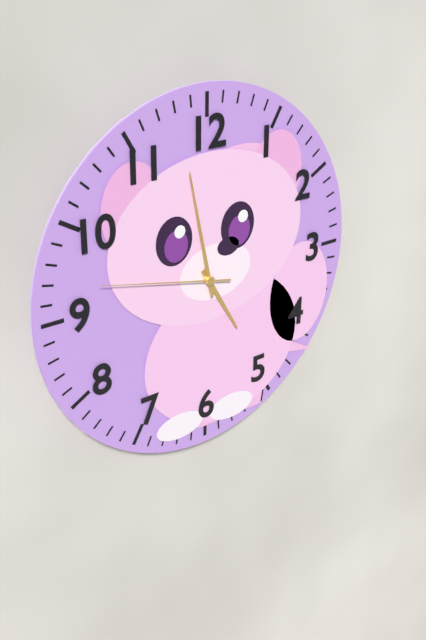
4:58:47
